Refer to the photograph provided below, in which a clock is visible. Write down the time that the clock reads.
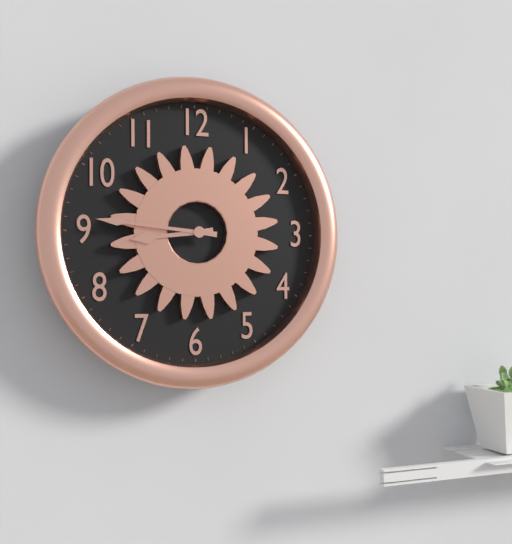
8:46
